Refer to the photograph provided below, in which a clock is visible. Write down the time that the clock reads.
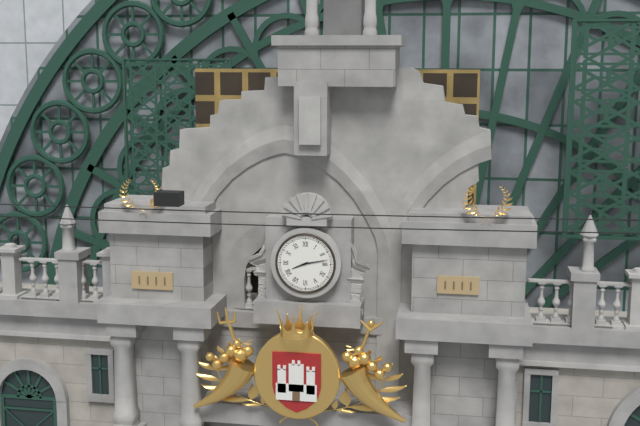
8:13
